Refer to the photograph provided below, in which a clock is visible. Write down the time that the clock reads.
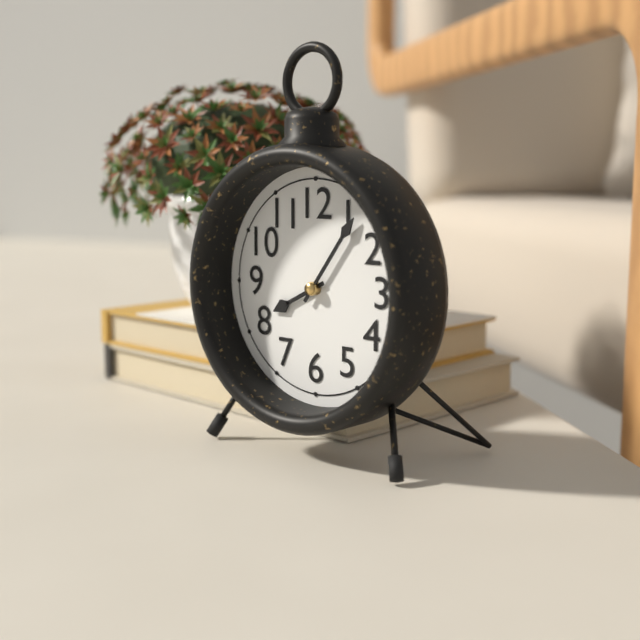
8:06
